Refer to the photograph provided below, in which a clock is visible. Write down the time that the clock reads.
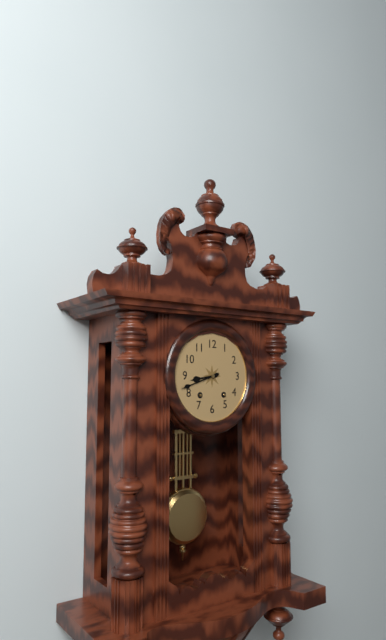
8:42
